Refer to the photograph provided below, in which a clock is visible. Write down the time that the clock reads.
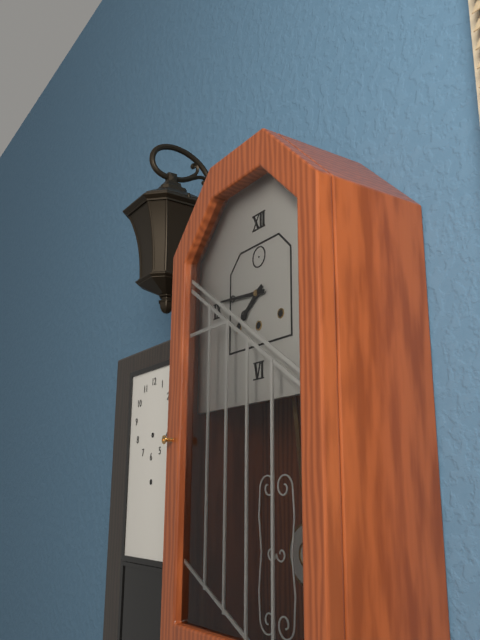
7:46
